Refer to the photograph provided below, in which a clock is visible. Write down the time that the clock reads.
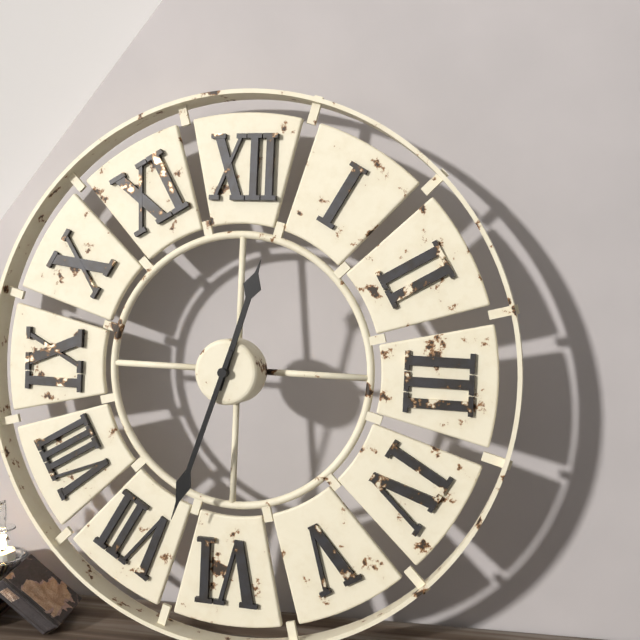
12:33
